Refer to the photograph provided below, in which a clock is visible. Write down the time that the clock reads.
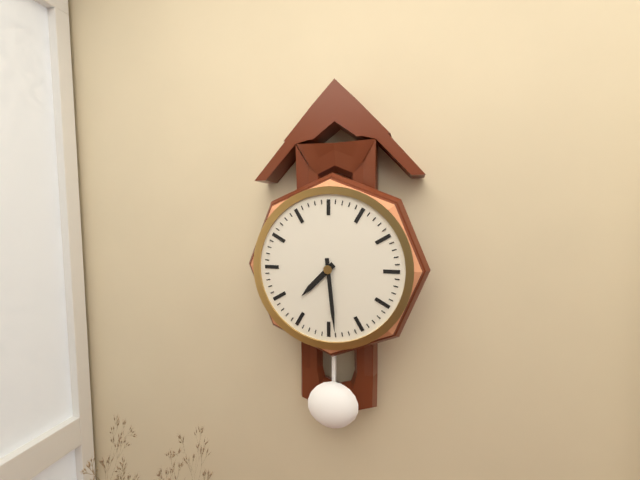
7:29
